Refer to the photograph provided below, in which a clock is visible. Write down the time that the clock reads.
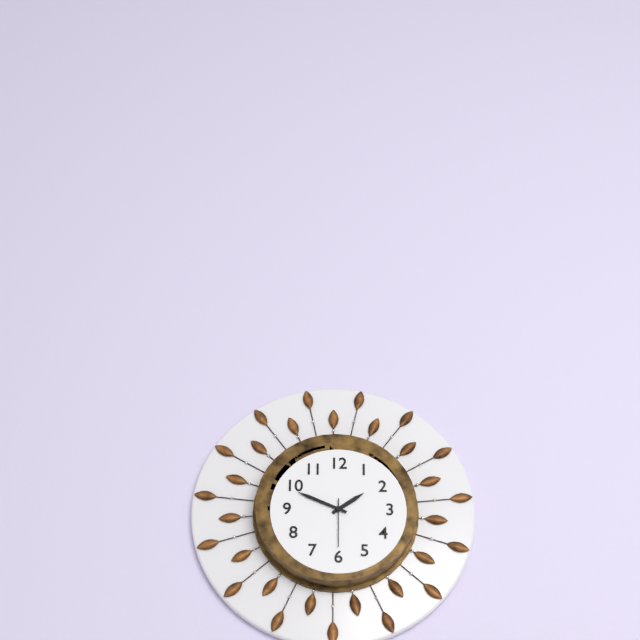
1:49
